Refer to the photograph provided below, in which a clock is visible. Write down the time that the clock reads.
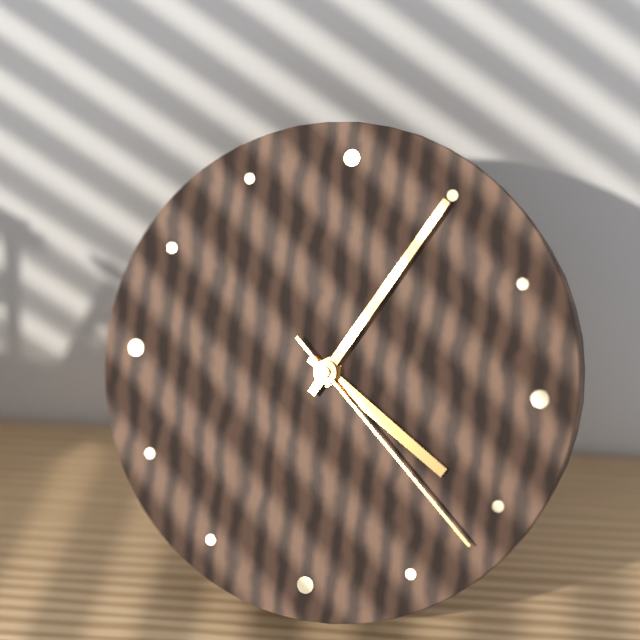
4:05:22
